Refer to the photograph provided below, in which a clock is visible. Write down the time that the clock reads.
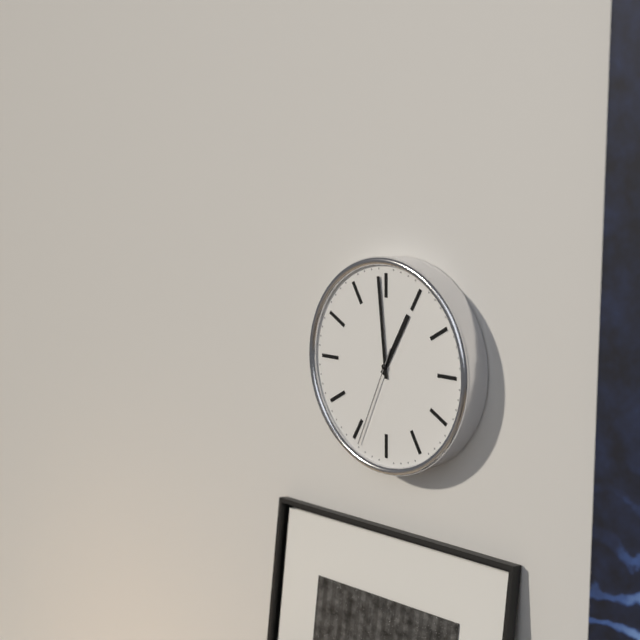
12:59:34
